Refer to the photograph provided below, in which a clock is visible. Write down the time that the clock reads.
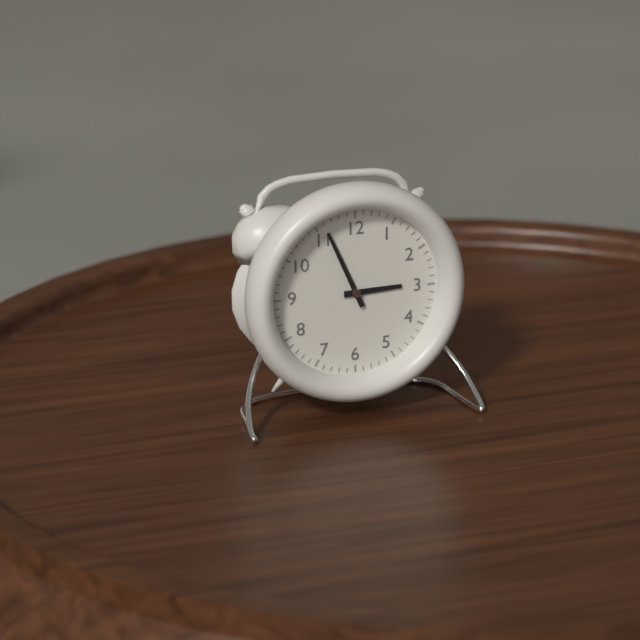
2:56
